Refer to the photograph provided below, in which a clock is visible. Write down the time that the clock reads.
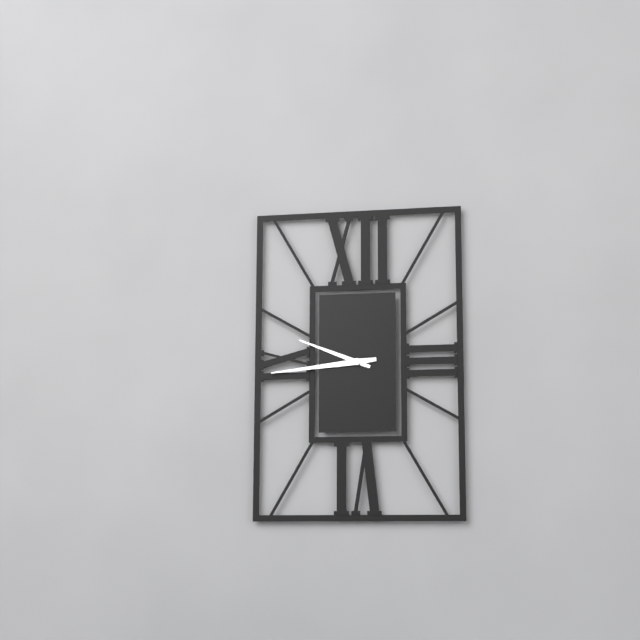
9:44
